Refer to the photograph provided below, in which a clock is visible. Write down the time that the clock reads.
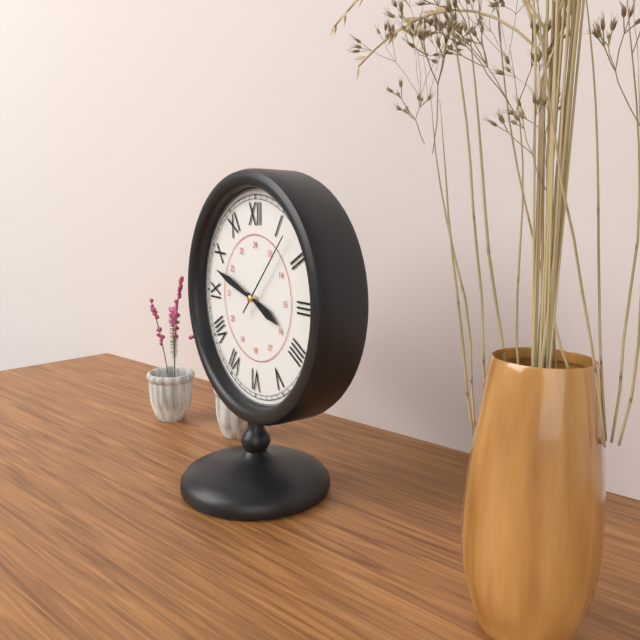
3:48:07
